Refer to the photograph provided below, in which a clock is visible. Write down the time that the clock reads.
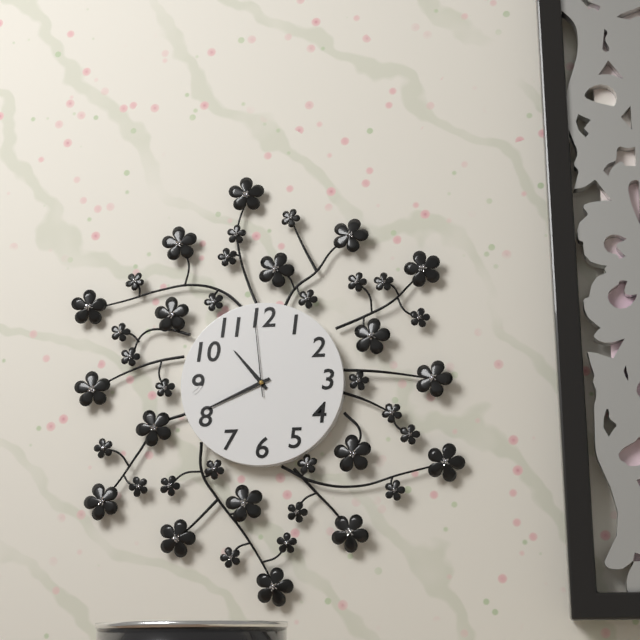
10:41:59
